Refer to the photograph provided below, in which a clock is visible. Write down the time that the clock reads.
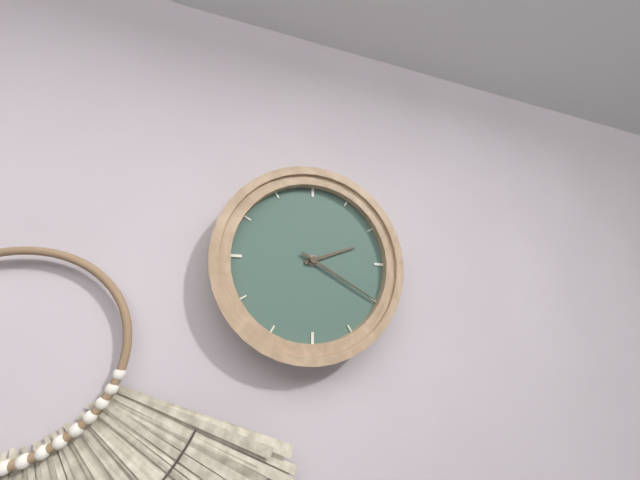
2:20
